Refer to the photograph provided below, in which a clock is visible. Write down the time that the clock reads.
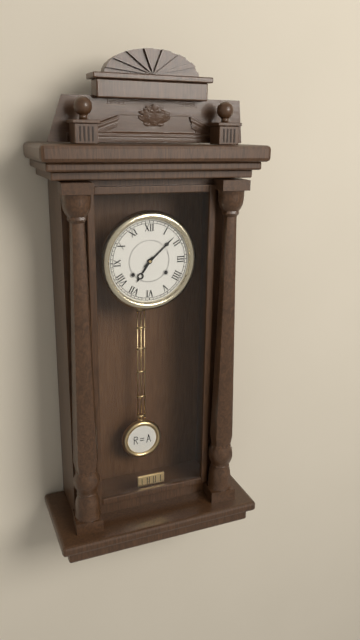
7:08
